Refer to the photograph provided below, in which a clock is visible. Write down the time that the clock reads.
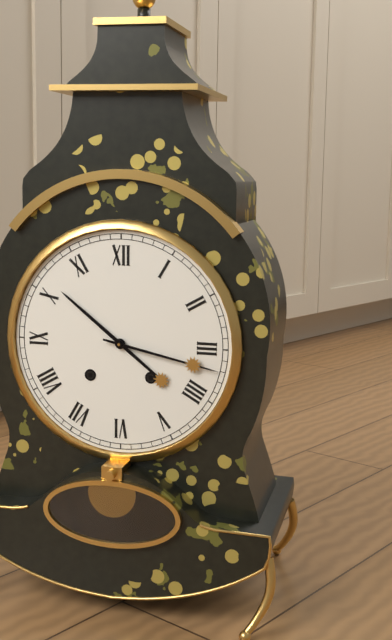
10:17
